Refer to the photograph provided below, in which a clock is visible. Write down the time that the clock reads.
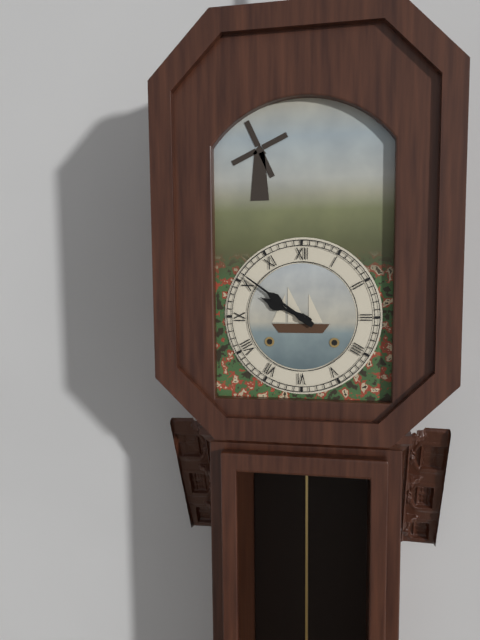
9:51
